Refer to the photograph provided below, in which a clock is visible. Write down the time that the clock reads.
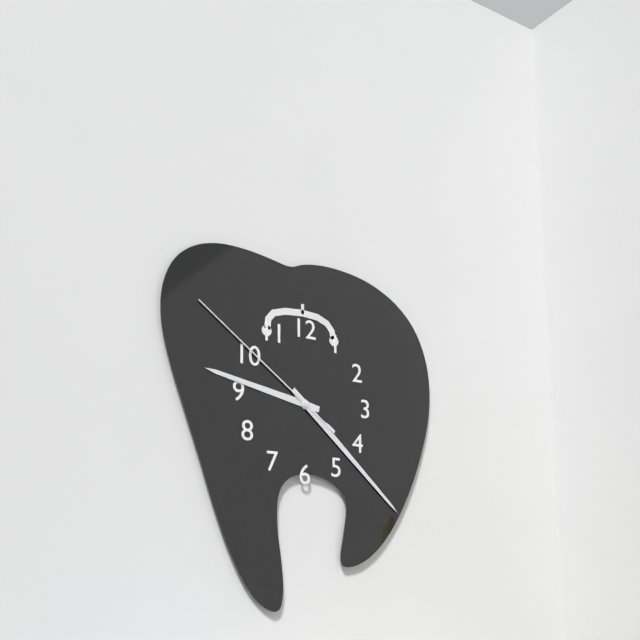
9:22:51
